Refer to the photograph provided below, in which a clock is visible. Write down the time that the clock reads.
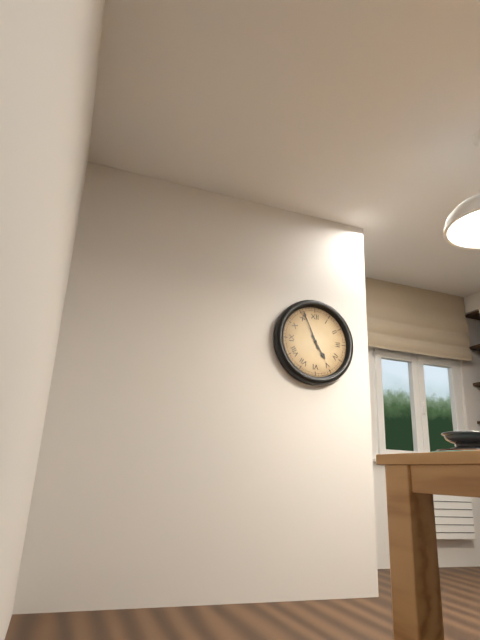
4:56
